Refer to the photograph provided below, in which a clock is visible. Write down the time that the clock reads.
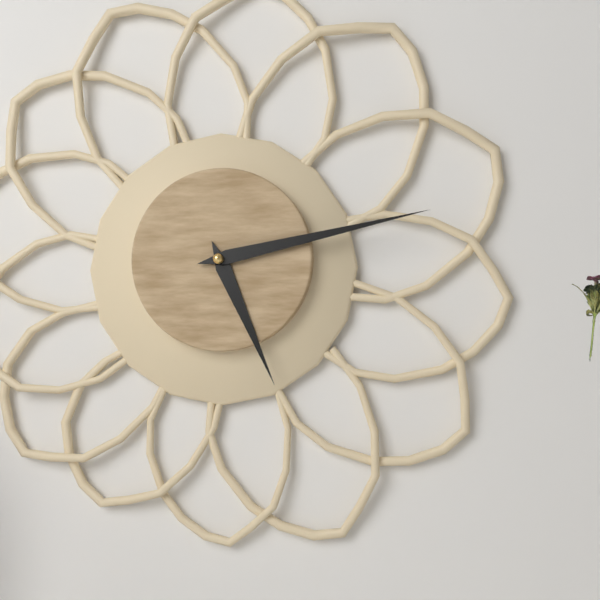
5:13
